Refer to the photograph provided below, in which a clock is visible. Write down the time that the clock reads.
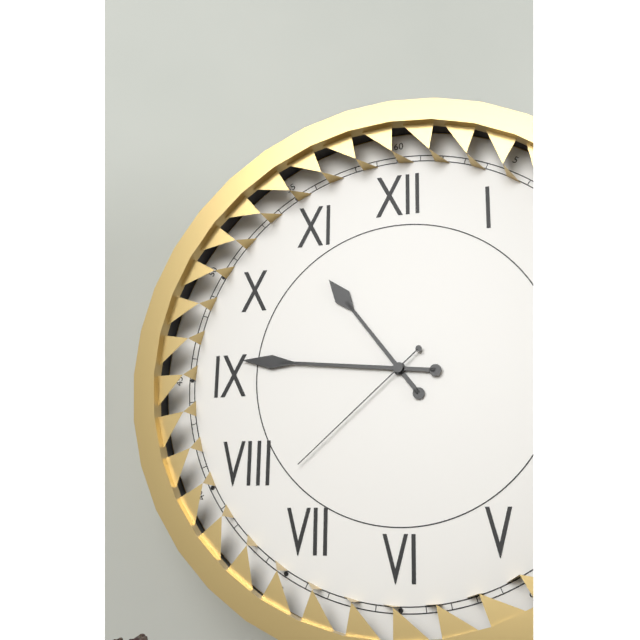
10:46:38
